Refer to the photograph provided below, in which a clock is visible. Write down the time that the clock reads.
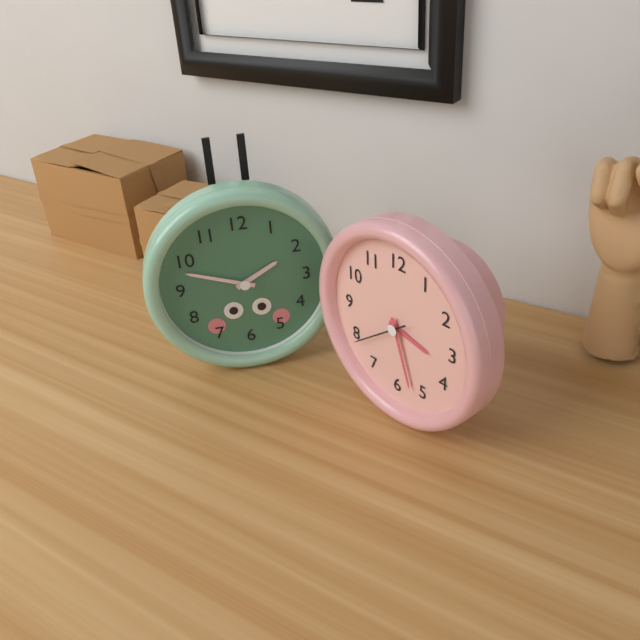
3:27:39
